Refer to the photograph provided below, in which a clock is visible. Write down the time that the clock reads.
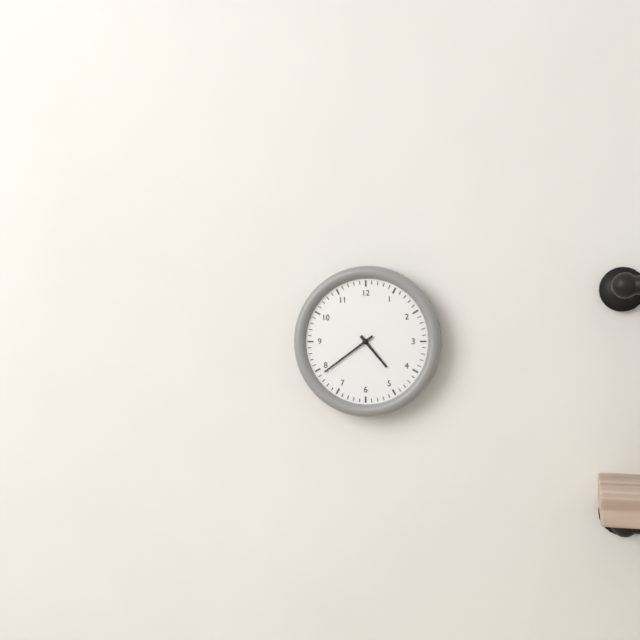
4:39
